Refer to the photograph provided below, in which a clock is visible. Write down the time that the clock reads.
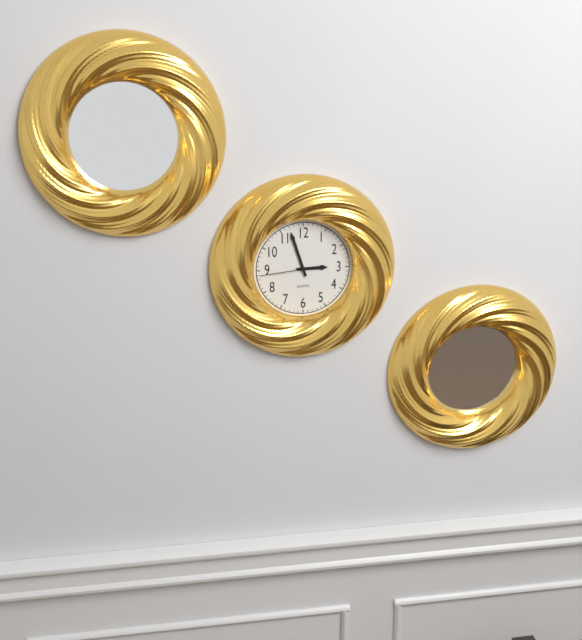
2:57:44
